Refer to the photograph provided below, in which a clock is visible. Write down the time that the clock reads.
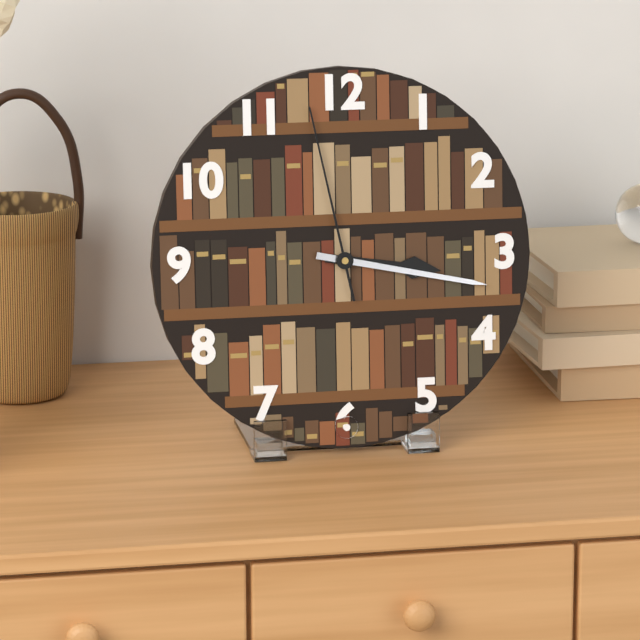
3:17:58
